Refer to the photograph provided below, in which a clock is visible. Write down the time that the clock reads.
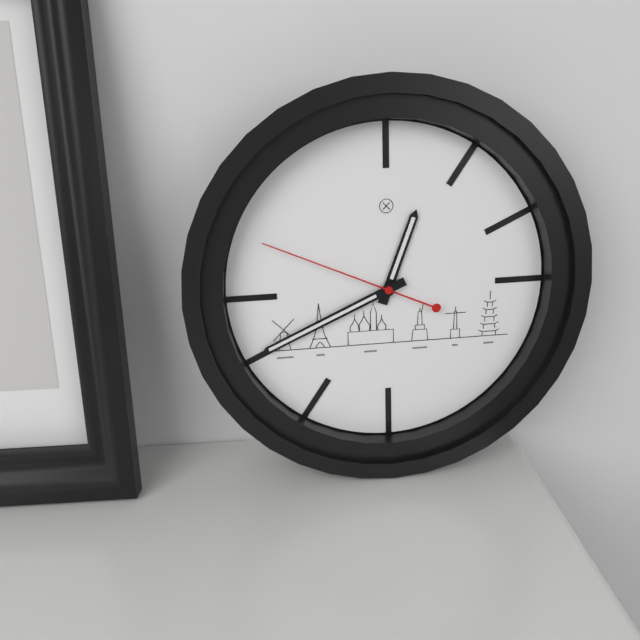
12:41:49
